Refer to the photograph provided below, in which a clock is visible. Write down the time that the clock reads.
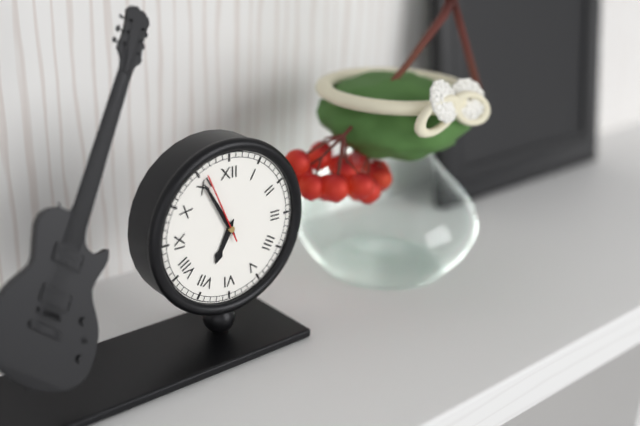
6:55:56
